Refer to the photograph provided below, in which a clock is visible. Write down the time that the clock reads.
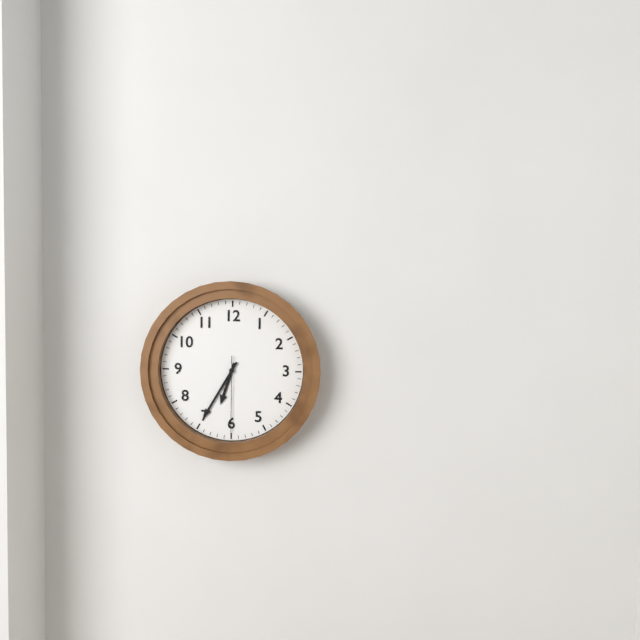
6:35:30
